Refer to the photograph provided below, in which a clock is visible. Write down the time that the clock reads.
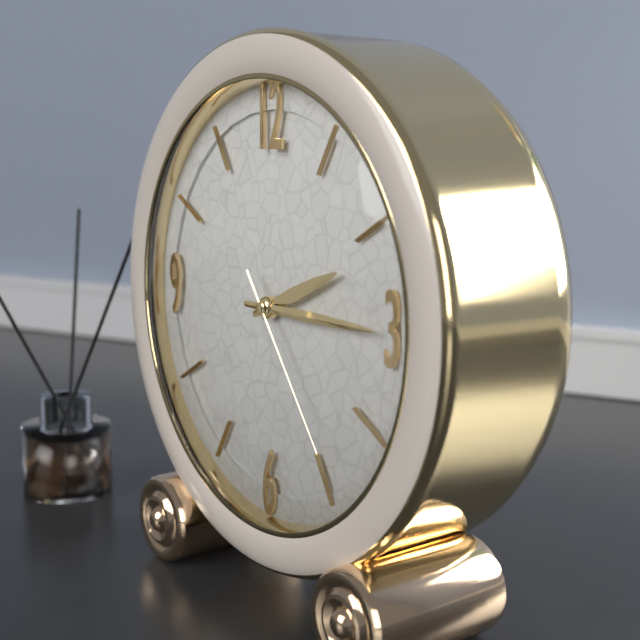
2:15:24
